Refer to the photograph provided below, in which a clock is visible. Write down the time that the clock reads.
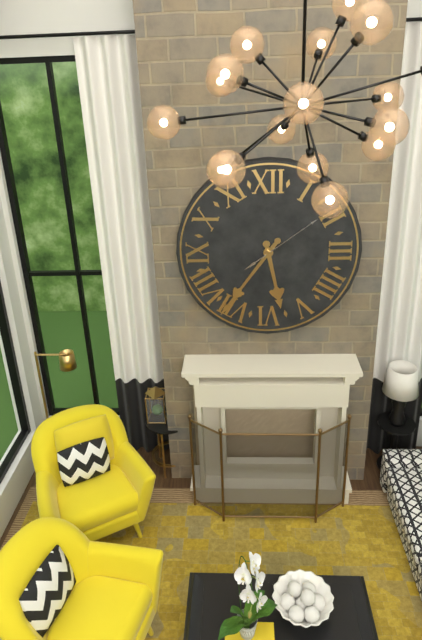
5:36:09
